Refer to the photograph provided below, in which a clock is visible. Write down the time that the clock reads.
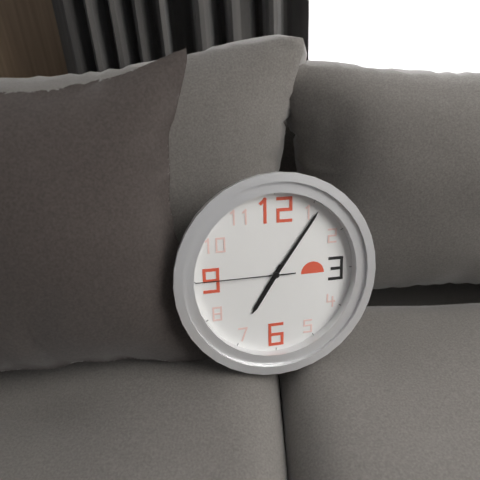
7:06:45
